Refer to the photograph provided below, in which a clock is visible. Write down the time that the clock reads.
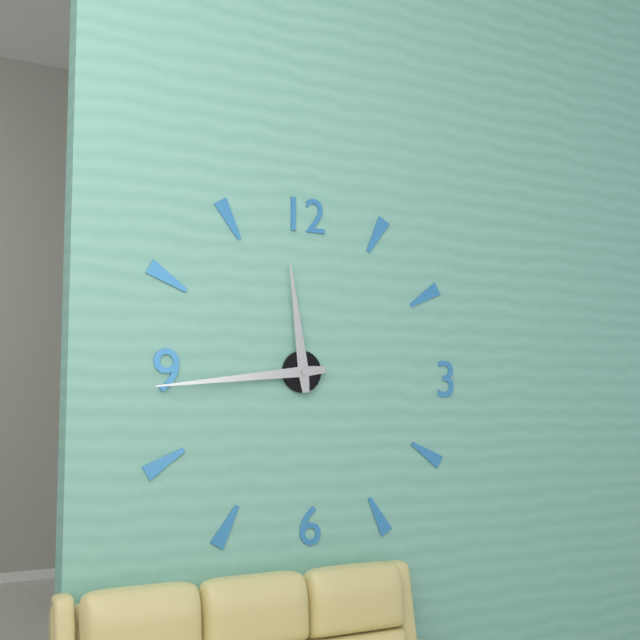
11:44
